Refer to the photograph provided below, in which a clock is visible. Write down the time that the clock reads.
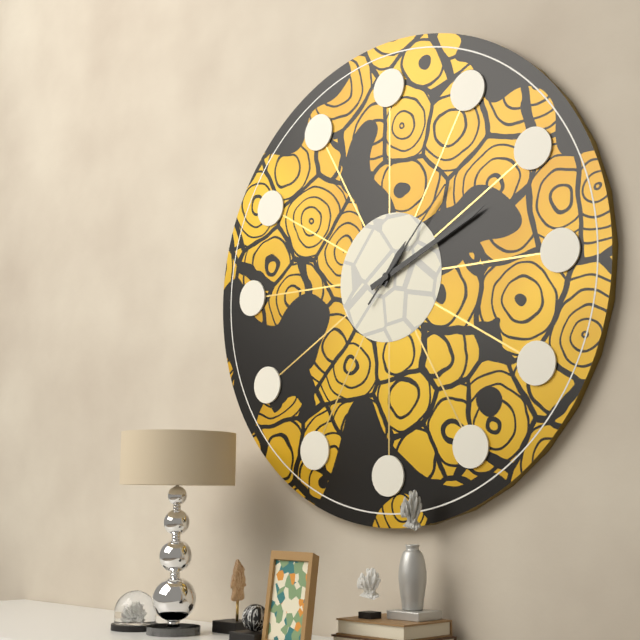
1:11:07
